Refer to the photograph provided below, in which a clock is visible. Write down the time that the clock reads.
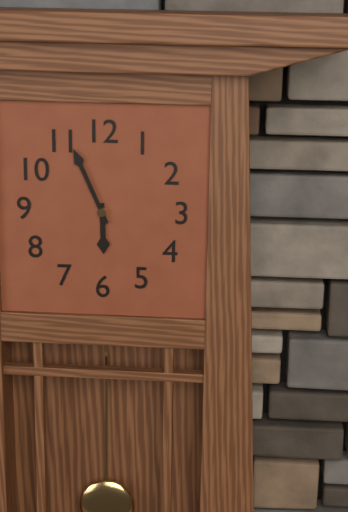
5:56
